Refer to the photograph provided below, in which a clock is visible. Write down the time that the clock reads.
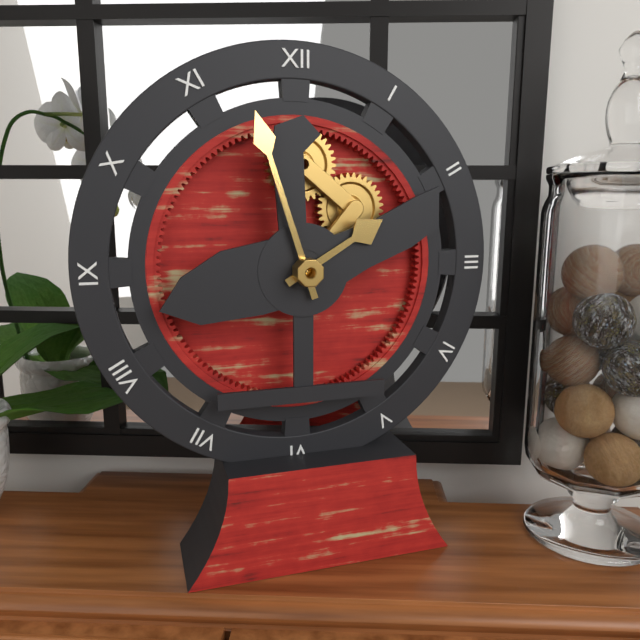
1:57
